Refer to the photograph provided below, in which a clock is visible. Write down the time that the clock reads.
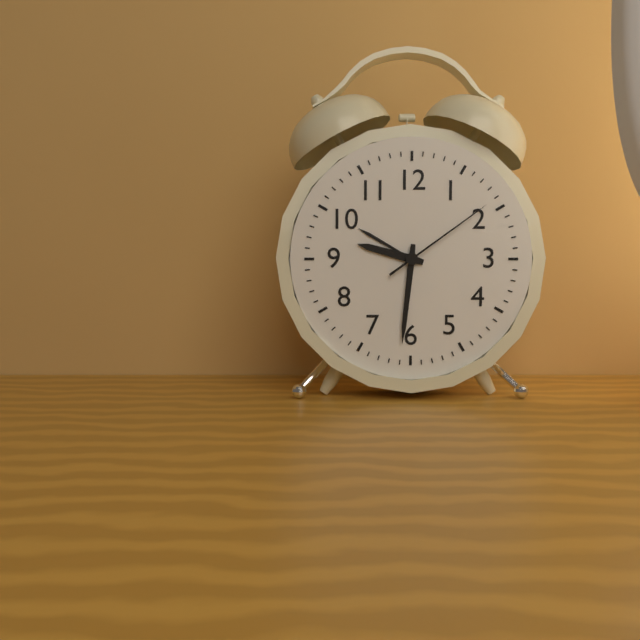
9:31:09
